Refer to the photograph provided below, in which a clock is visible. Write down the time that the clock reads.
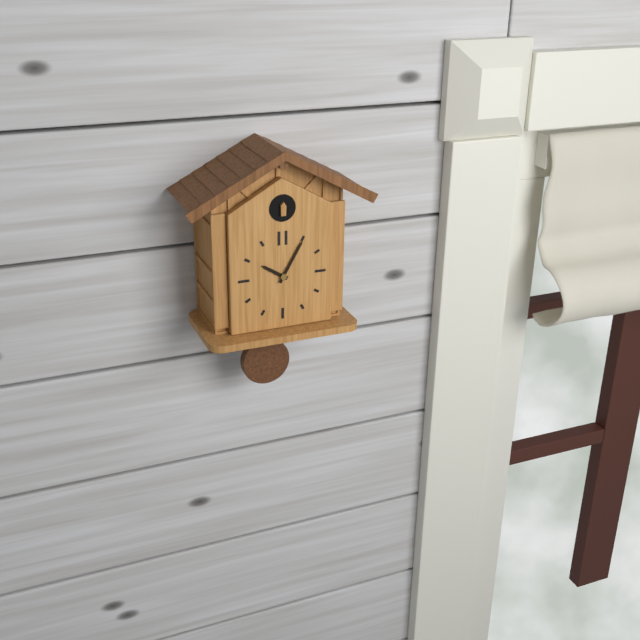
10:05
